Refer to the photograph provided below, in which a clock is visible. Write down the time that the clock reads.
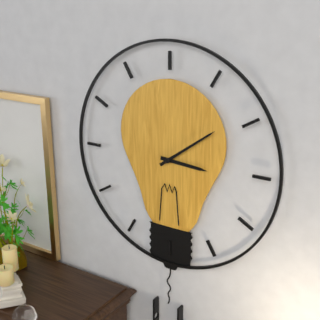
3:09
